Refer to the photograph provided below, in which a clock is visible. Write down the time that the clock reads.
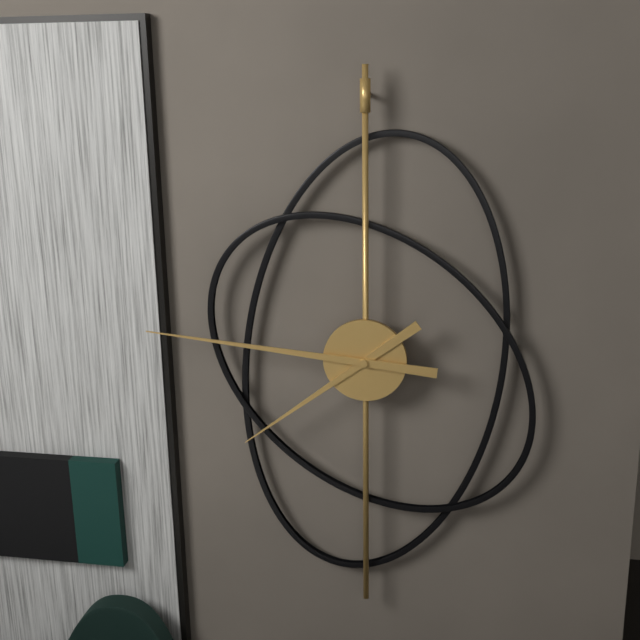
7:46
